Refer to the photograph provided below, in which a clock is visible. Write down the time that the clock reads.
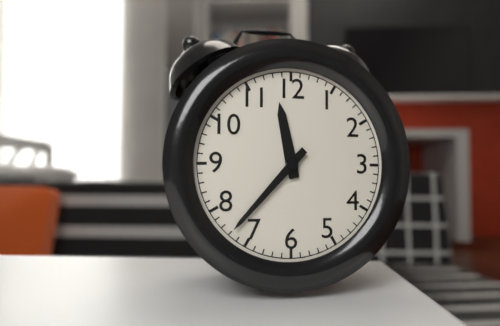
11:37
